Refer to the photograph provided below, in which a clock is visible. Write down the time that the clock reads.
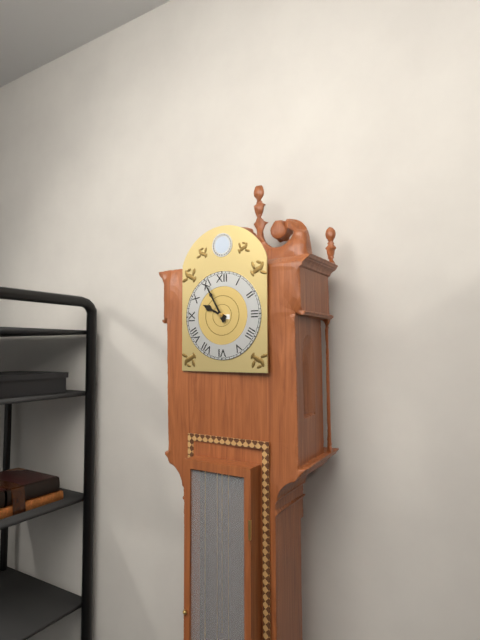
9:55
